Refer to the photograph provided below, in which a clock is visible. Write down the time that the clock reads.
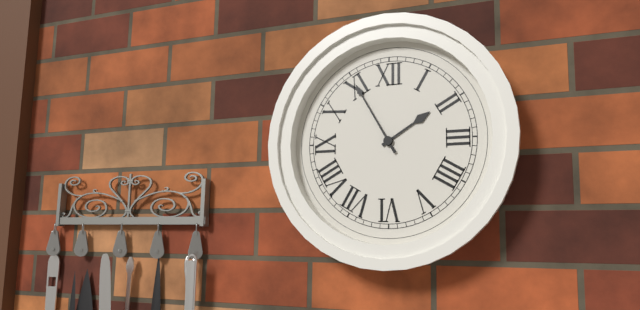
1:55
